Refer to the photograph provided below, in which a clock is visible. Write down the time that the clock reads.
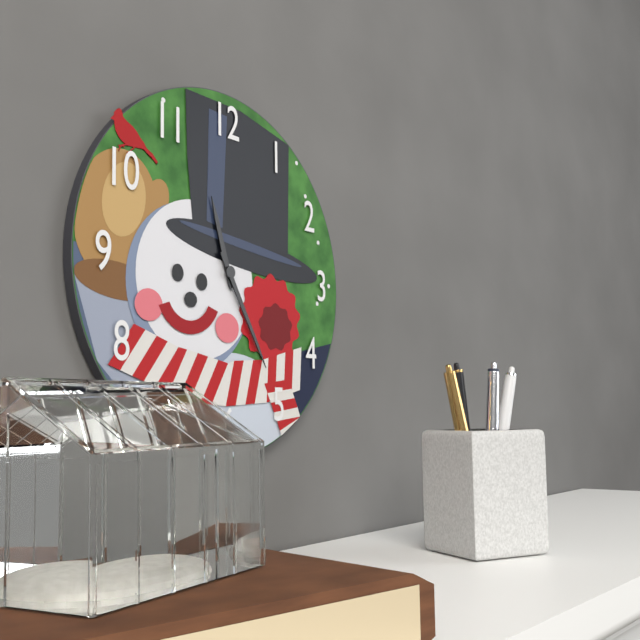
11:25
